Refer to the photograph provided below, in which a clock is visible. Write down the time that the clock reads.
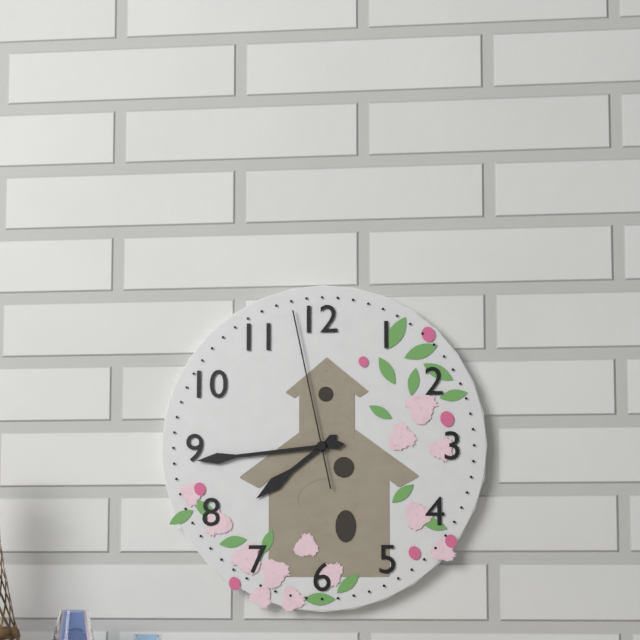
7:44:58
